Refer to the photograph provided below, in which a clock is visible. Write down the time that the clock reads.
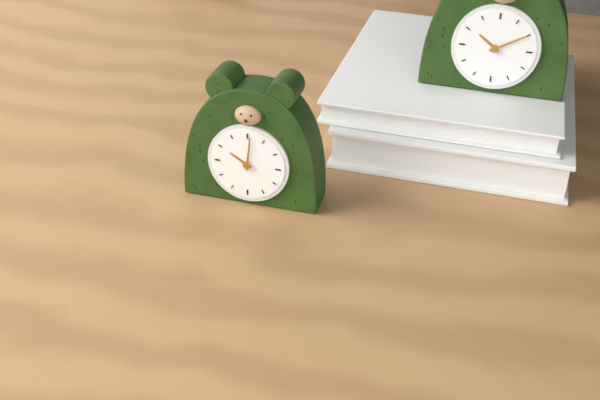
10:01
